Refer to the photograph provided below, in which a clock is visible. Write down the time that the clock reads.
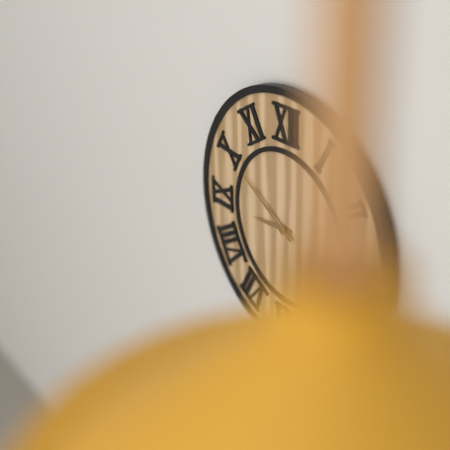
8:50
